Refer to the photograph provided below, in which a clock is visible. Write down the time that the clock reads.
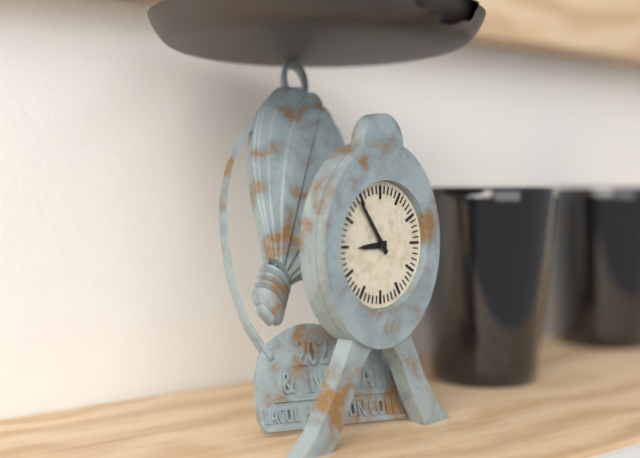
8:54
